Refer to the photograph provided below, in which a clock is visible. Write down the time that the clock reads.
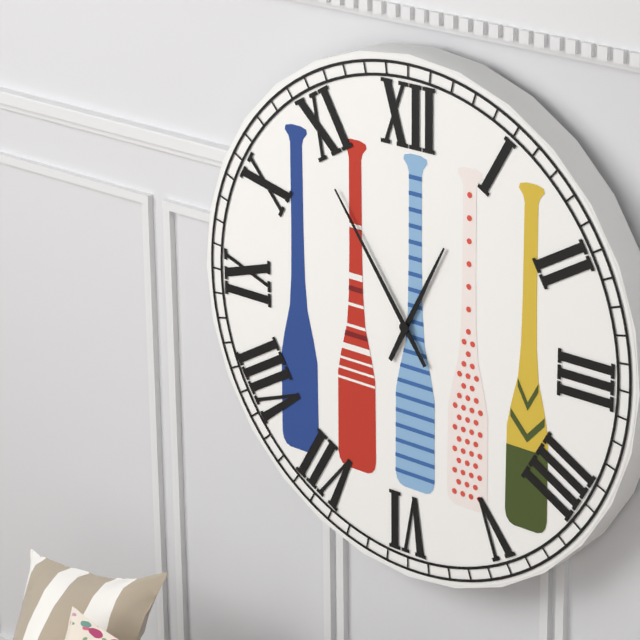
12:54
